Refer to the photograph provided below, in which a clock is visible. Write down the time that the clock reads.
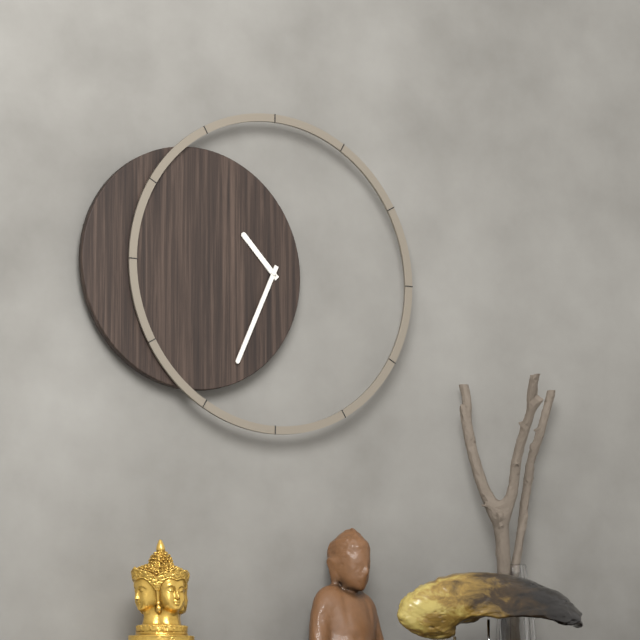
10:34
